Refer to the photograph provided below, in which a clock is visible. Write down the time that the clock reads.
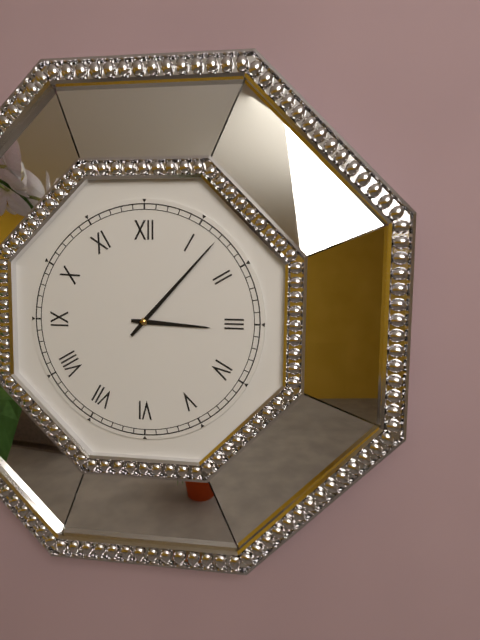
3:07
